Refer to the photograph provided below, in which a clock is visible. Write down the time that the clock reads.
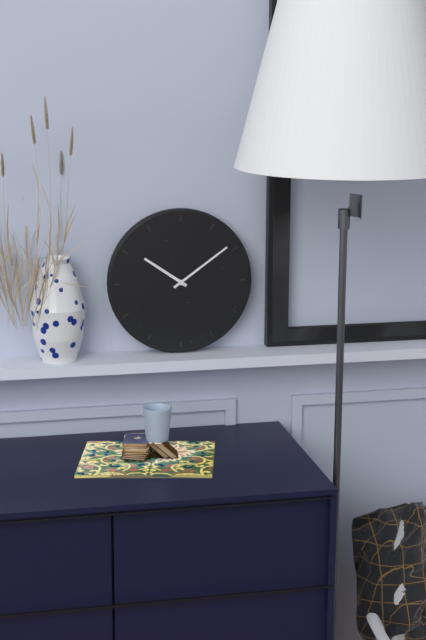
10:09
